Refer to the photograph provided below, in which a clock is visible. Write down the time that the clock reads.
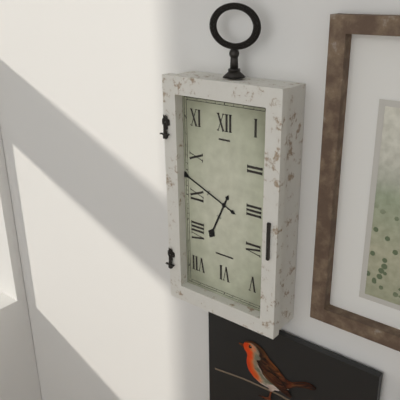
6:49
